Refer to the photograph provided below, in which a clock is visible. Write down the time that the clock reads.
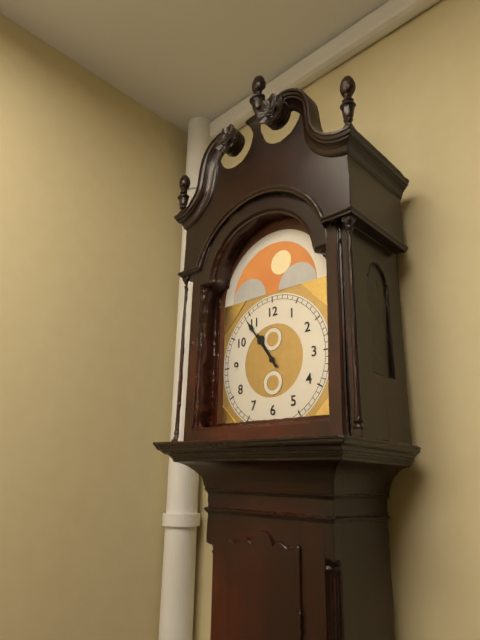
10:54
